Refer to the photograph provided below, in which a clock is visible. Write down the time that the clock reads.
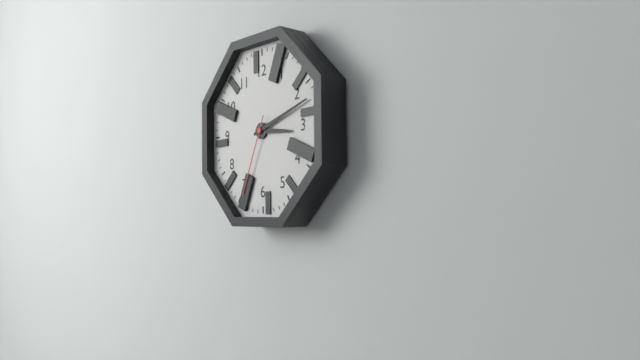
3:12:34
